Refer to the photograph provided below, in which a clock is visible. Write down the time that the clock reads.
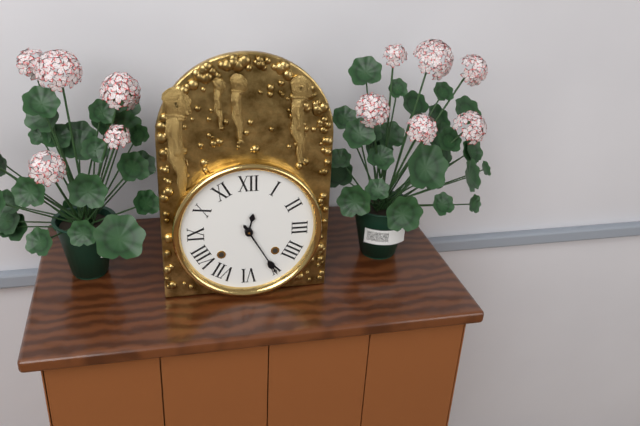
12:25
